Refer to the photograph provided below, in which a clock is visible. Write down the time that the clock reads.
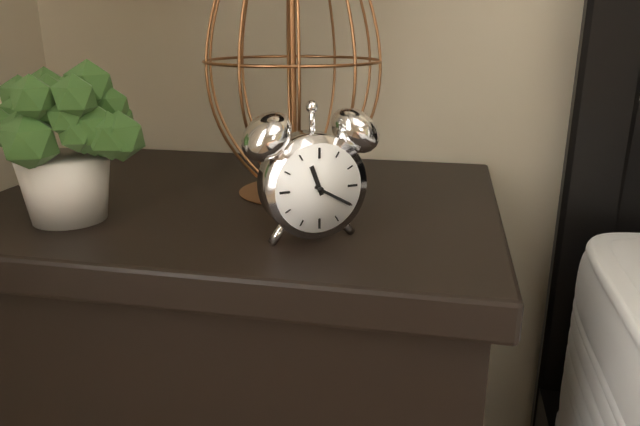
11:20
